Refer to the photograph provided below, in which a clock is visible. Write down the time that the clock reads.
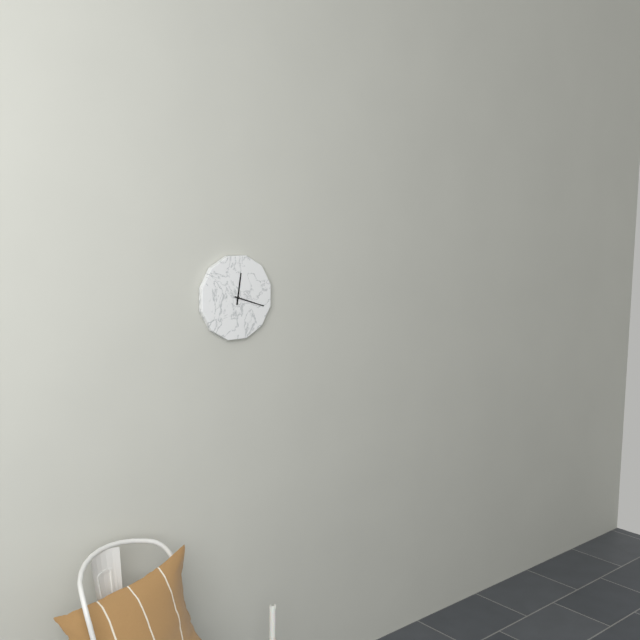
12:18
